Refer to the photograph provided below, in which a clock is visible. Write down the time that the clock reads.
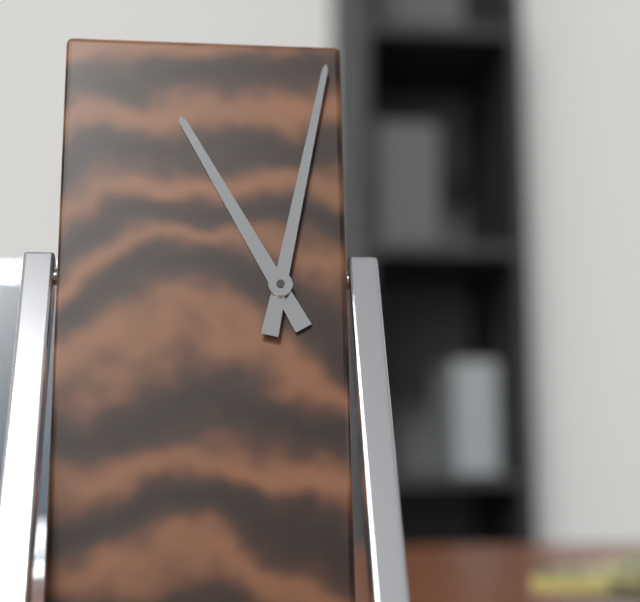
11:02
